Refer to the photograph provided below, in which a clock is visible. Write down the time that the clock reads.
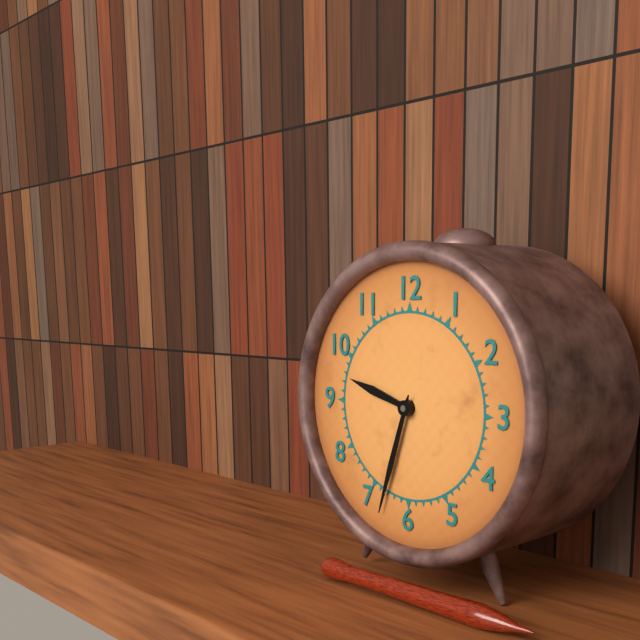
9:33
